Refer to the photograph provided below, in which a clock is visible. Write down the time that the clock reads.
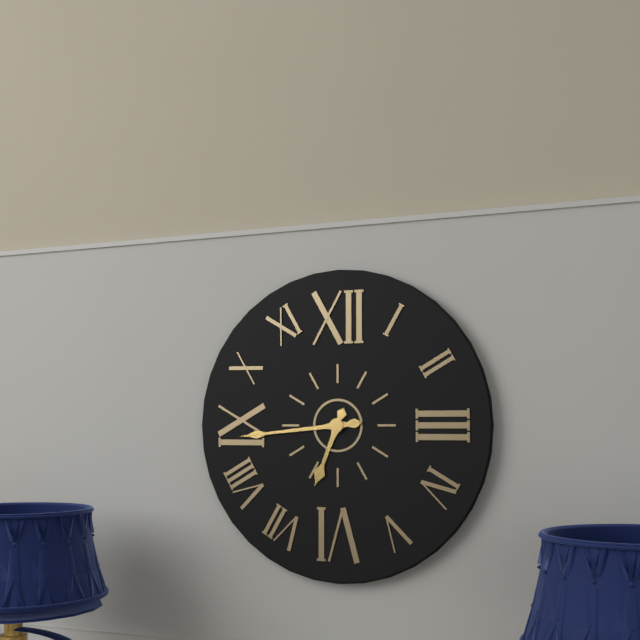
6:44
